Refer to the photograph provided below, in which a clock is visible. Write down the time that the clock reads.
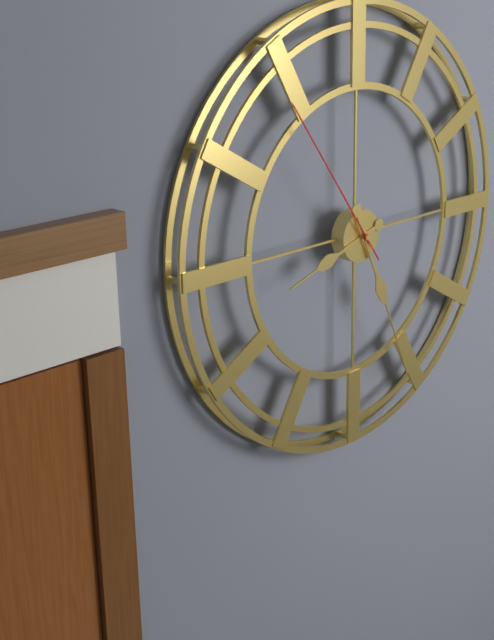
8:26:54
